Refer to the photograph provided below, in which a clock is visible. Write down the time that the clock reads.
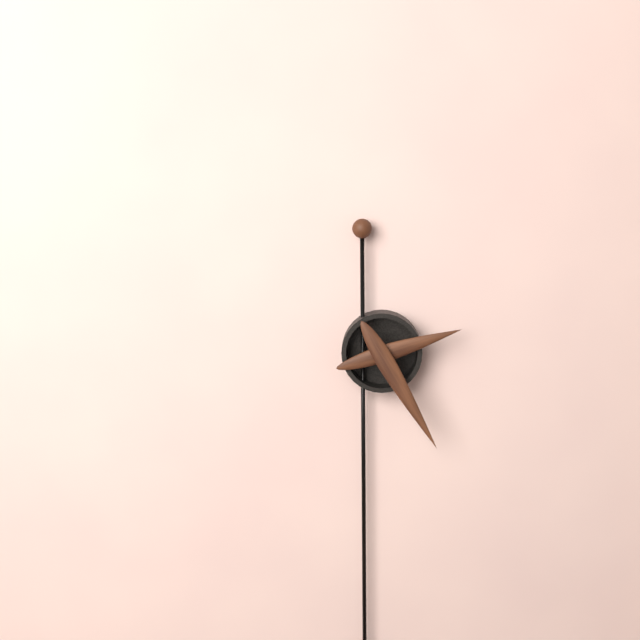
2:25
